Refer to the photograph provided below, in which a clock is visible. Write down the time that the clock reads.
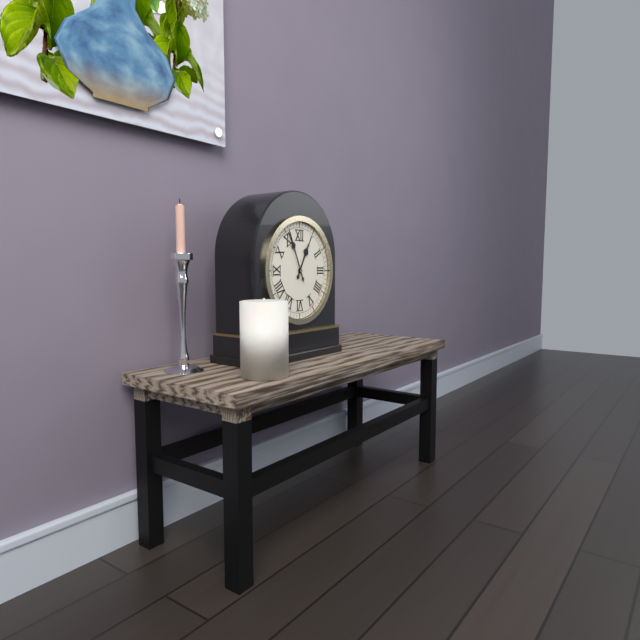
12:56
